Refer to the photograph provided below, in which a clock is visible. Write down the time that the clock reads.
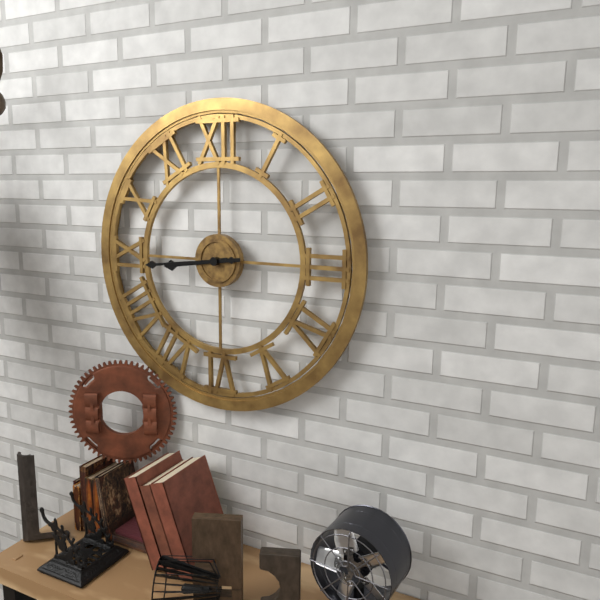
8:44
